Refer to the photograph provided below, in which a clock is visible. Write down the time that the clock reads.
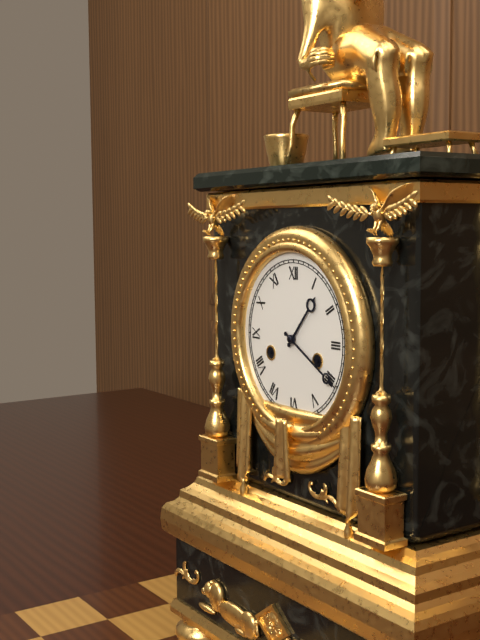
1:20
